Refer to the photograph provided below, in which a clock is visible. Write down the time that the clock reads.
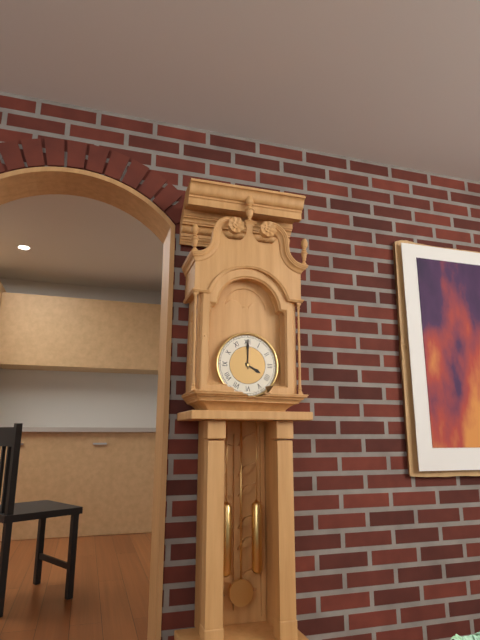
4:00
